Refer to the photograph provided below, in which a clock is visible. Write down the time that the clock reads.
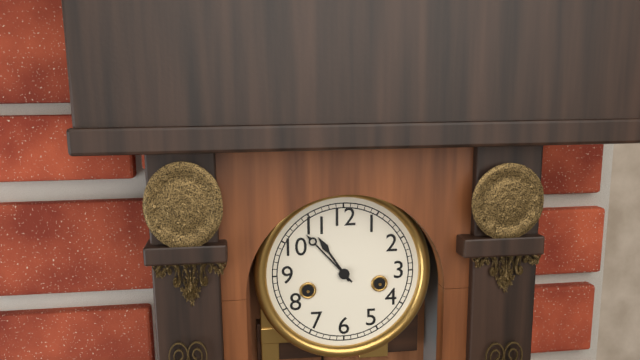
10:53
